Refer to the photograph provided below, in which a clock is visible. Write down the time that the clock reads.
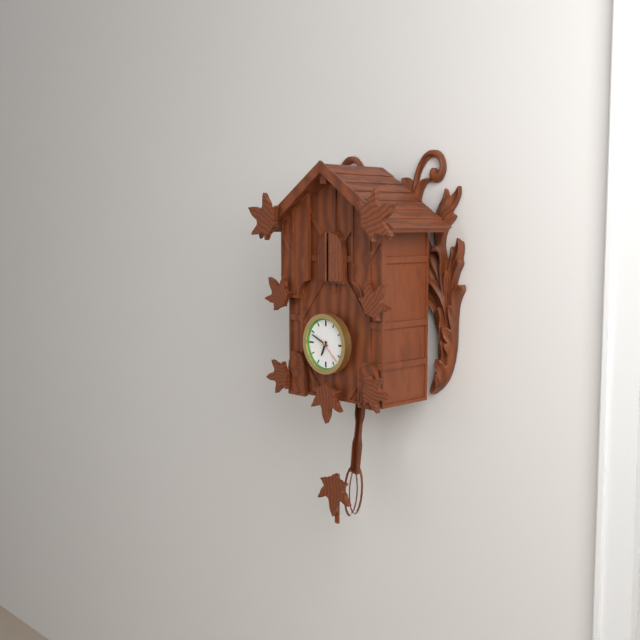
6:49
